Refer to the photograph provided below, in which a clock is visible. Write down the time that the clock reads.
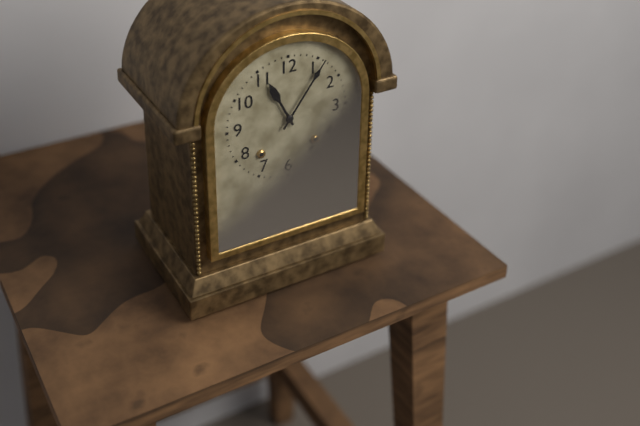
11:06
